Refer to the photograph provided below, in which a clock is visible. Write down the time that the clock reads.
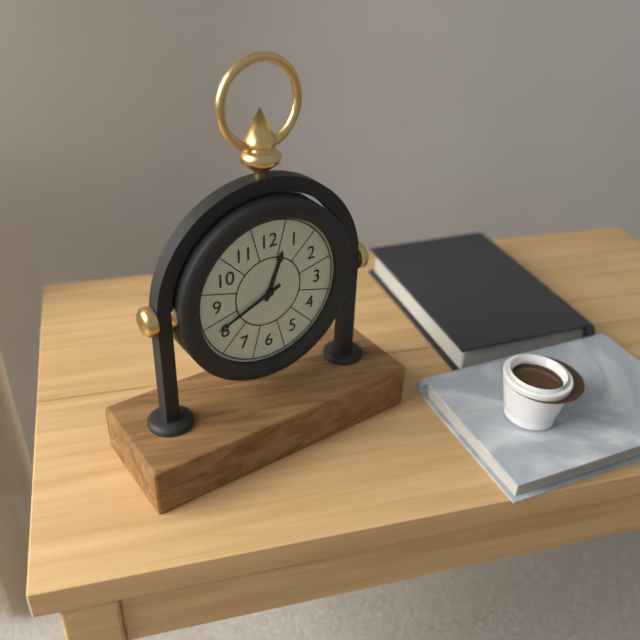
12:41
